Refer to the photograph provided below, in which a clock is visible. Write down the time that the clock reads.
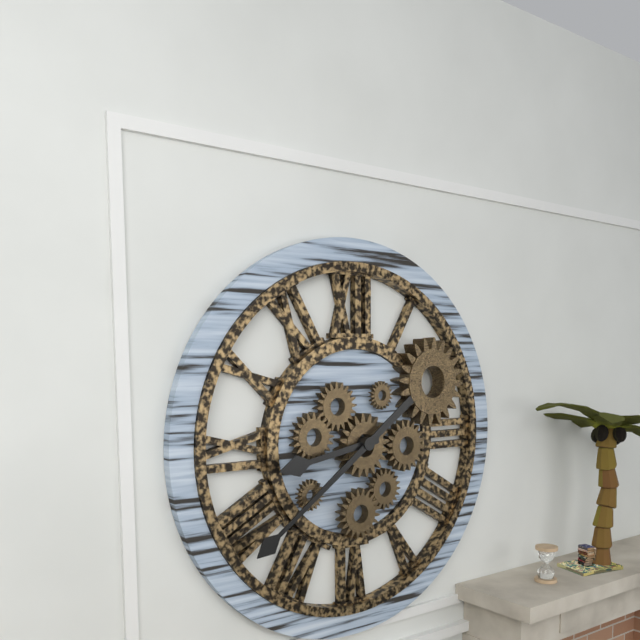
8:39
